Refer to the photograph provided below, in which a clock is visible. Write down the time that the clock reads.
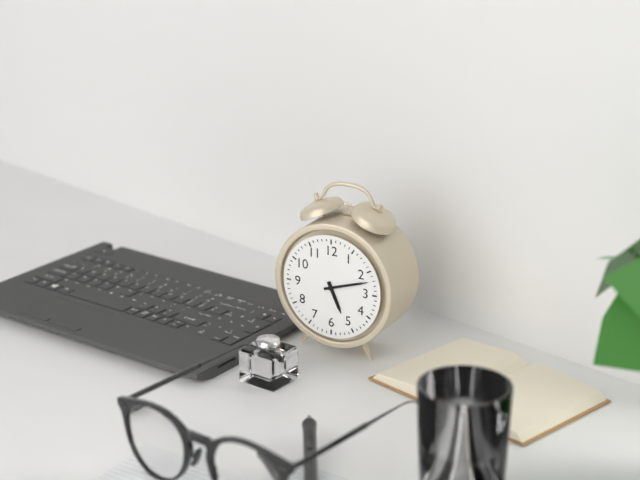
5:12
